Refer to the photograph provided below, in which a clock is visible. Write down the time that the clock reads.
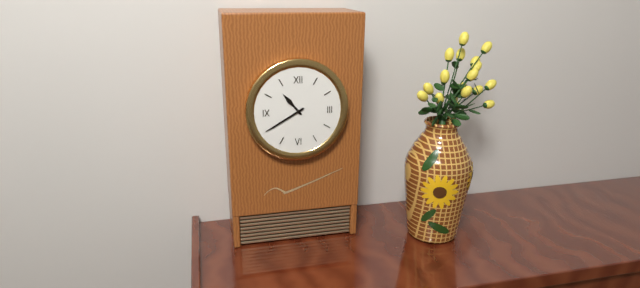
10:40
